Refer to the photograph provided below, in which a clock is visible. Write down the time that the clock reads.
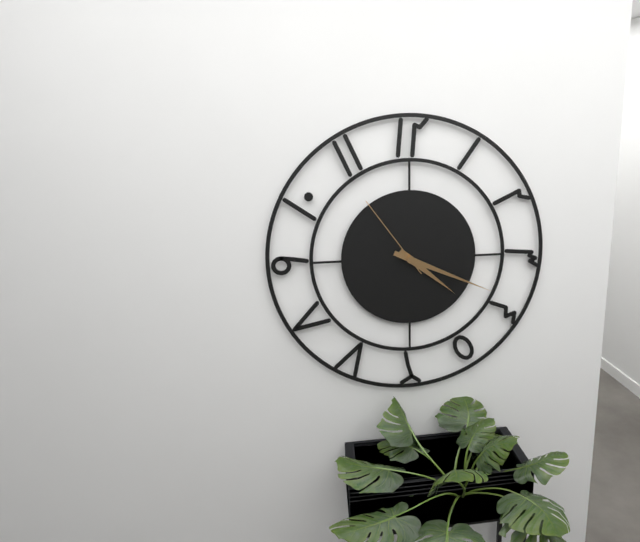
4:19:54
